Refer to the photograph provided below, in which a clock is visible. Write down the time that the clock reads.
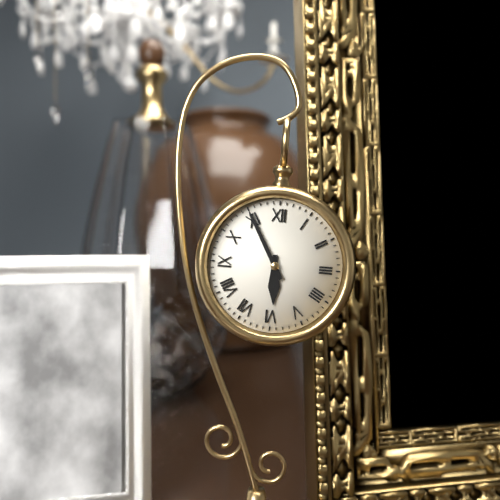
5:55
